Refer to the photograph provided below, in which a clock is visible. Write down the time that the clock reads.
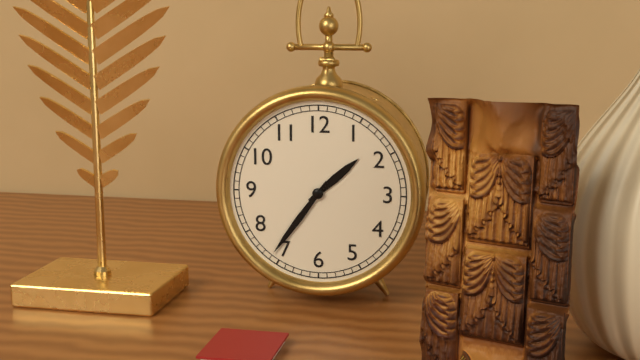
1:36
